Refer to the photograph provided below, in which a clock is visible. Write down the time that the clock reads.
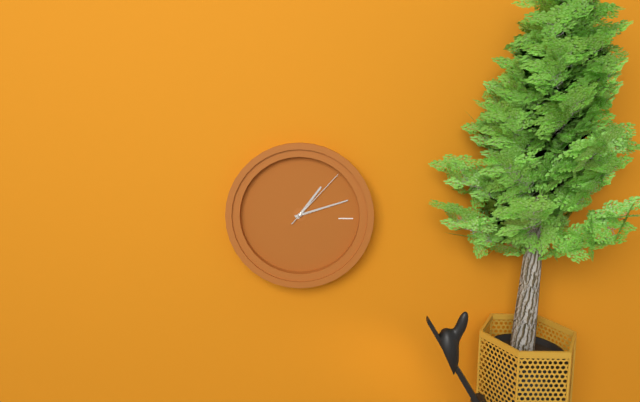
1:12:07
